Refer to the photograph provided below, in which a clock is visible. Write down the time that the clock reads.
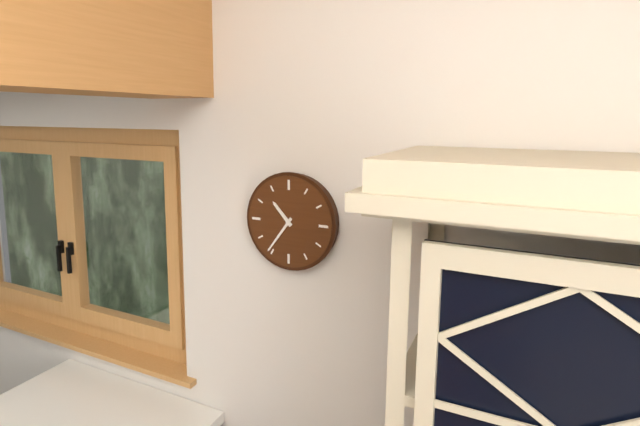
10:36
